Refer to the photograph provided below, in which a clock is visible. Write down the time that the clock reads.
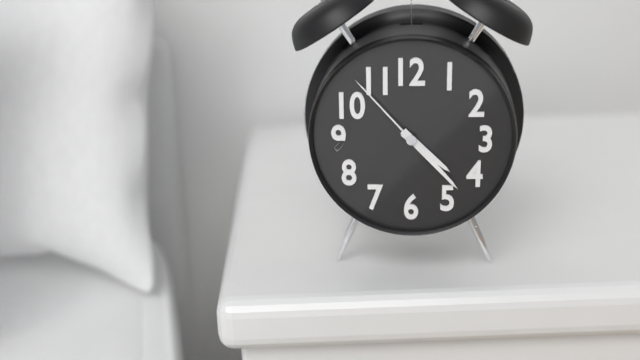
4:23:53
